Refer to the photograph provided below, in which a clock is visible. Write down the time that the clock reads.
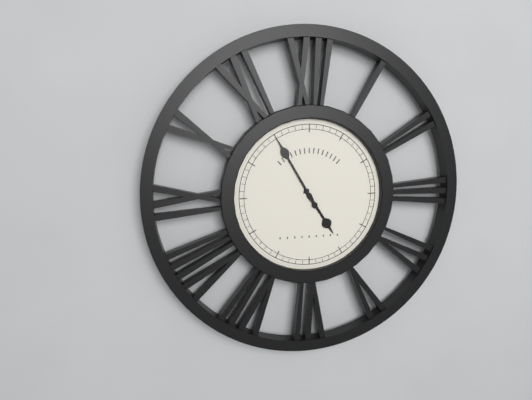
4:55
